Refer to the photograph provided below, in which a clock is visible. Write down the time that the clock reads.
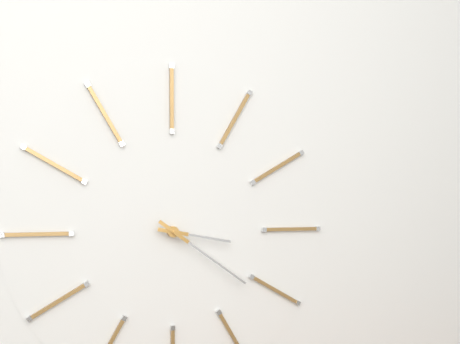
3:21
